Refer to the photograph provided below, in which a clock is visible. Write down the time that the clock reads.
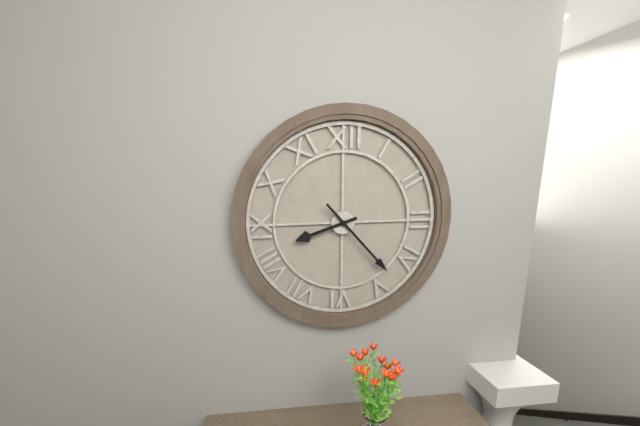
8:23
